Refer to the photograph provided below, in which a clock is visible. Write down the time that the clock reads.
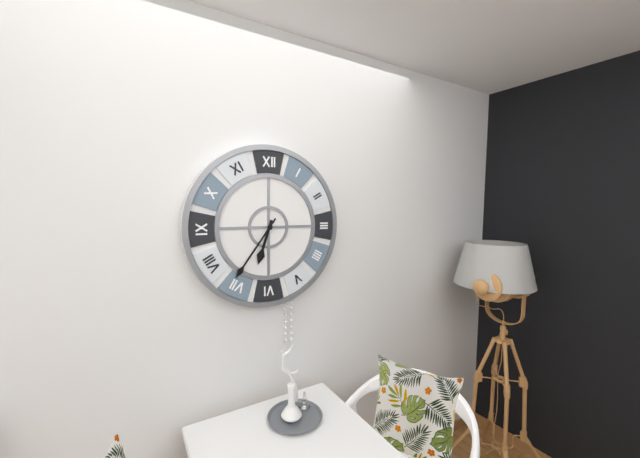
6:36
